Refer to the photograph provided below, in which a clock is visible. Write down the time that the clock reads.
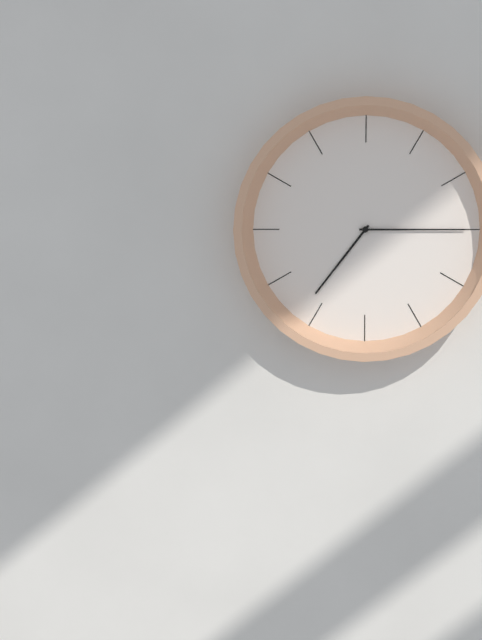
7:15
